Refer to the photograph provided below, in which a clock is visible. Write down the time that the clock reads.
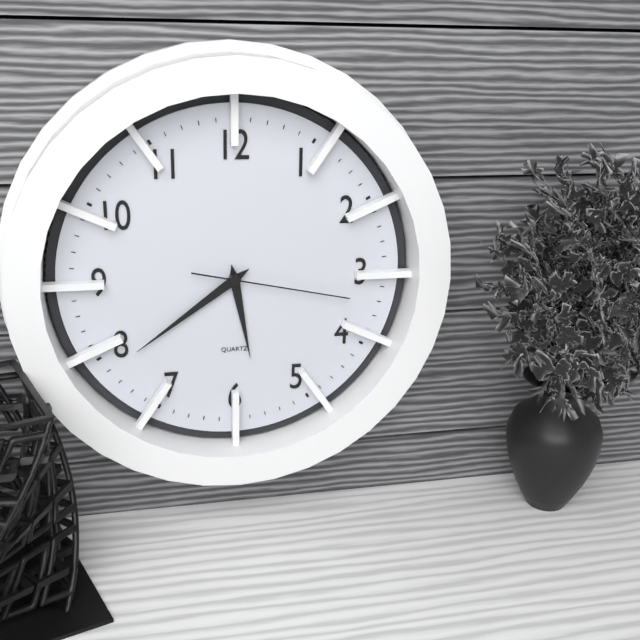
5:39:17
